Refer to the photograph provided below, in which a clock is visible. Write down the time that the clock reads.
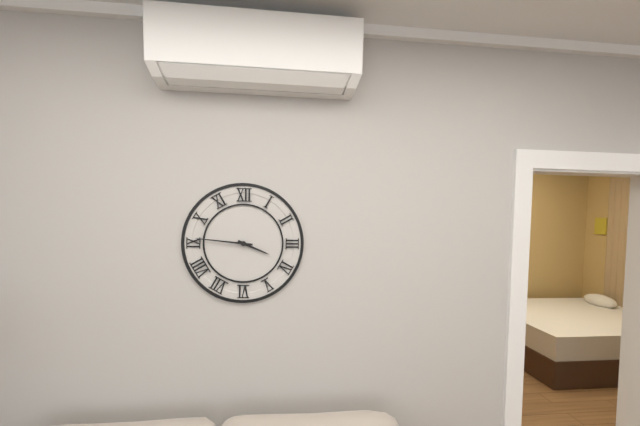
3:46
